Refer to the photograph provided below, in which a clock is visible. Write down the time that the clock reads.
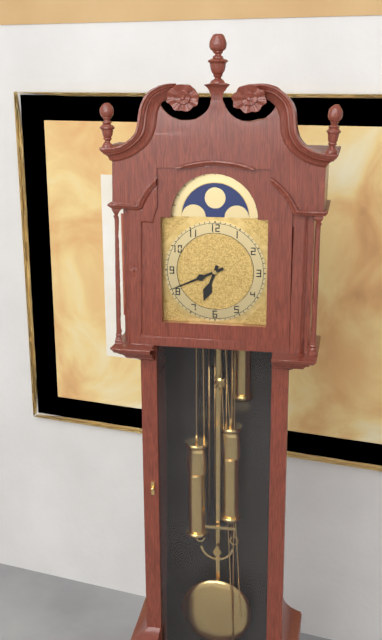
6:41
